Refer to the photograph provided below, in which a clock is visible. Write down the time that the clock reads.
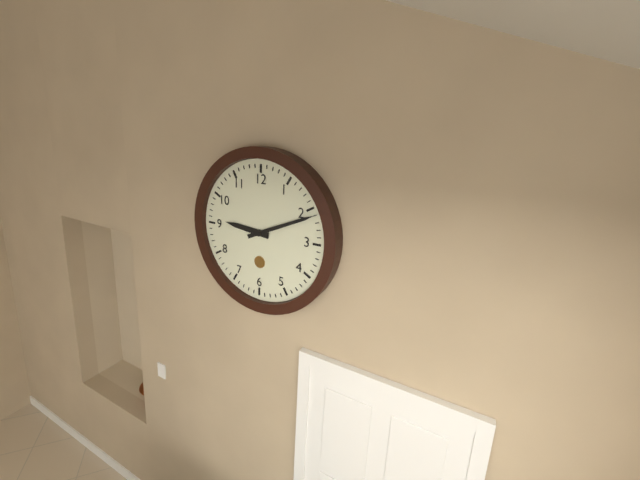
9:11
